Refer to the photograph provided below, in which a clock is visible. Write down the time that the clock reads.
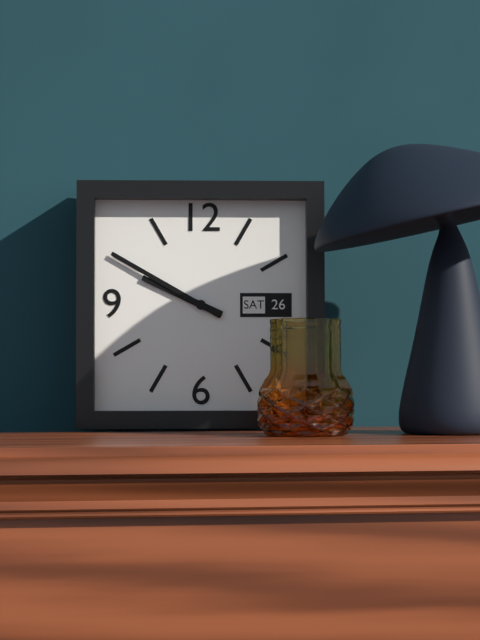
9:50
